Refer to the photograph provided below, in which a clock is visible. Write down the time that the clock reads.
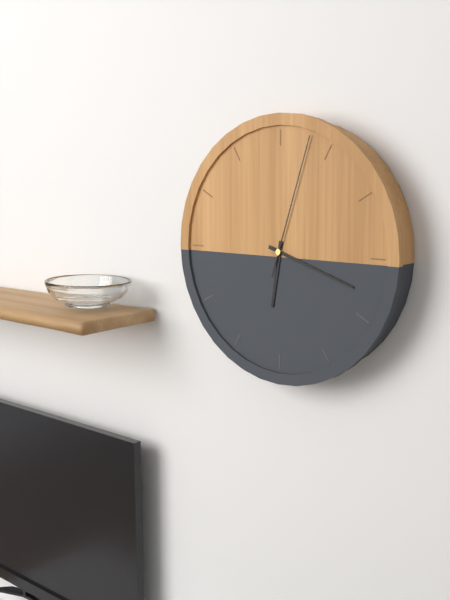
6:18:03
